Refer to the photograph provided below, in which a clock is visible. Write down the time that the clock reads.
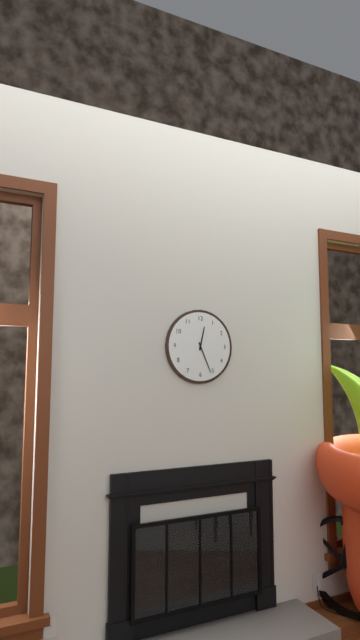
12:26
